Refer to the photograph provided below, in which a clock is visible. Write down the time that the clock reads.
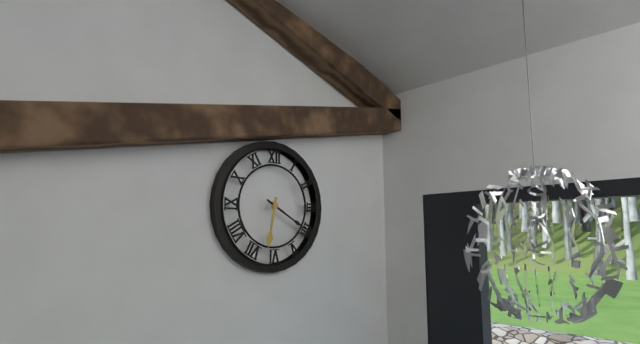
6:20
